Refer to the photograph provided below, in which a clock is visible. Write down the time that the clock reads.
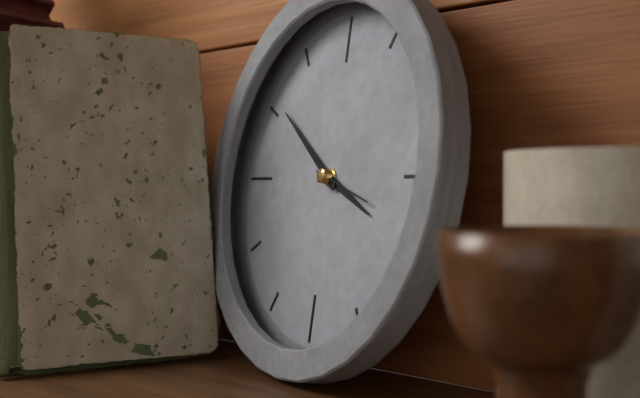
3:51:18
